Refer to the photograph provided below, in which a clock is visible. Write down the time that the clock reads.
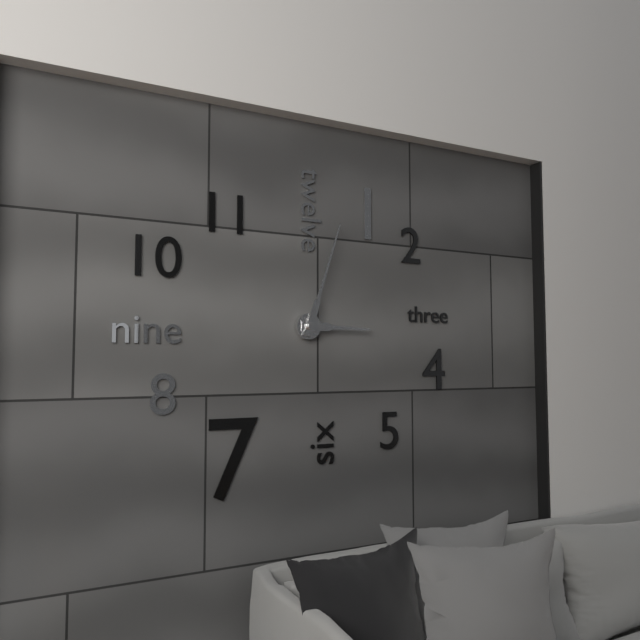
3:03
